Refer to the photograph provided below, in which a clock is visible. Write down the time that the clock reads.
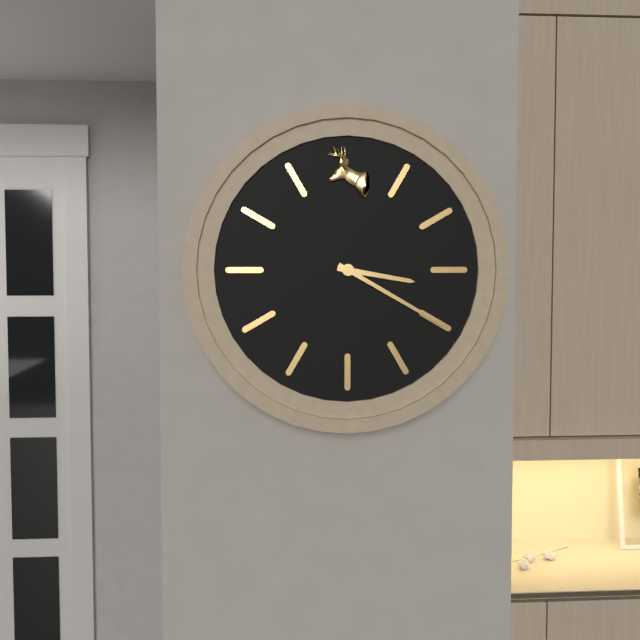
3:20
